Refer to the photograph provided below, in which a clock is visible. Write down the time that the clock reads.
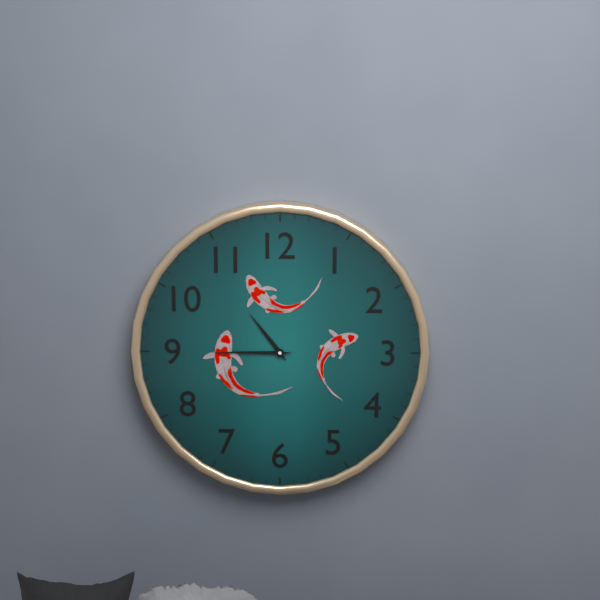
10:45
